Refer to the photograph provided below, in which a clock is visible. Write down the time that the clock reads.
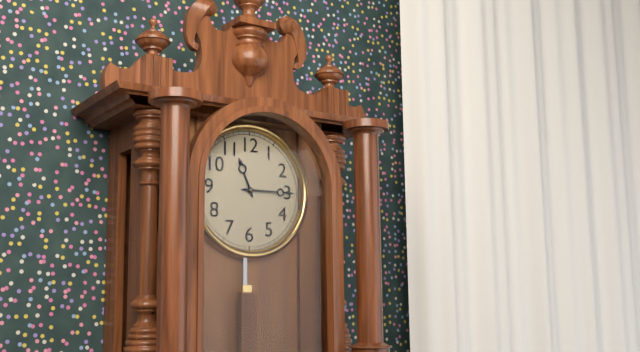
11:15
